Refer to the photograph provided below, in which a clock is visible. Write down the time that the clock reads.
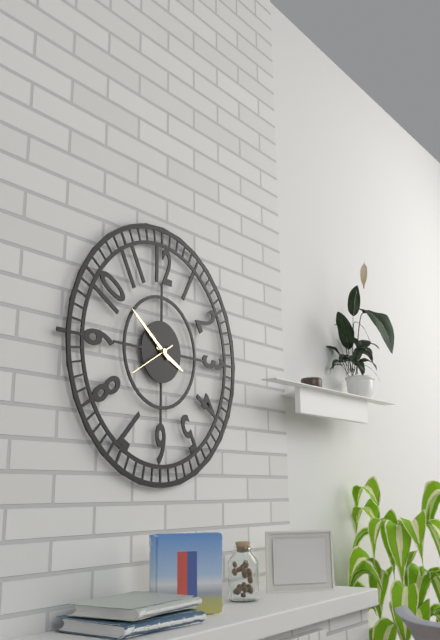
3:51
